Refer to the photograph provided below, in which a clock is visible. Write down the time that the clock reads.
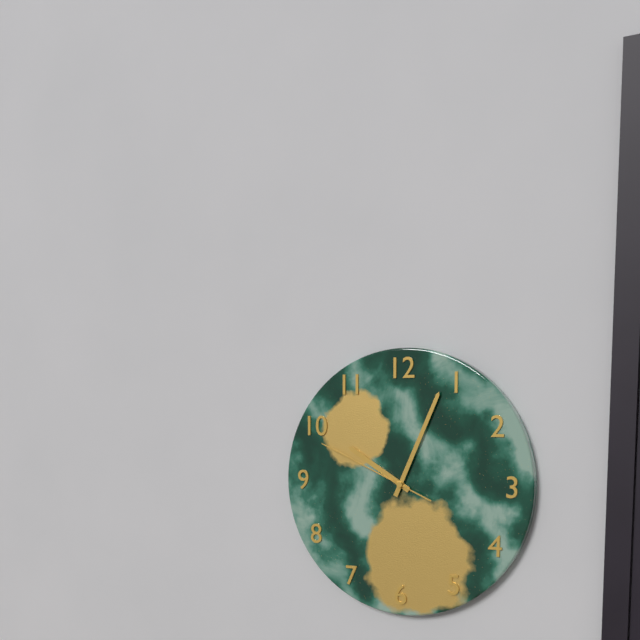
10:04:49
